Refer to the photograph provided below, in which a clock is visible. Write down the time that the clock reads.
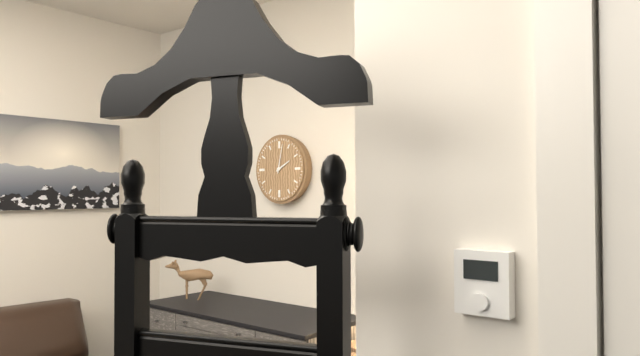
2:02
